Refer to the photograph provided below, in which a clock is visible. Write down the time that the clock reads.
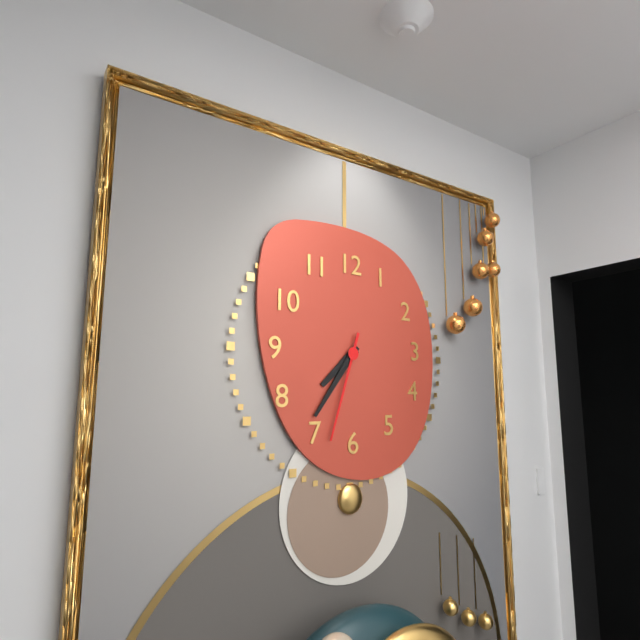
7:36:33
